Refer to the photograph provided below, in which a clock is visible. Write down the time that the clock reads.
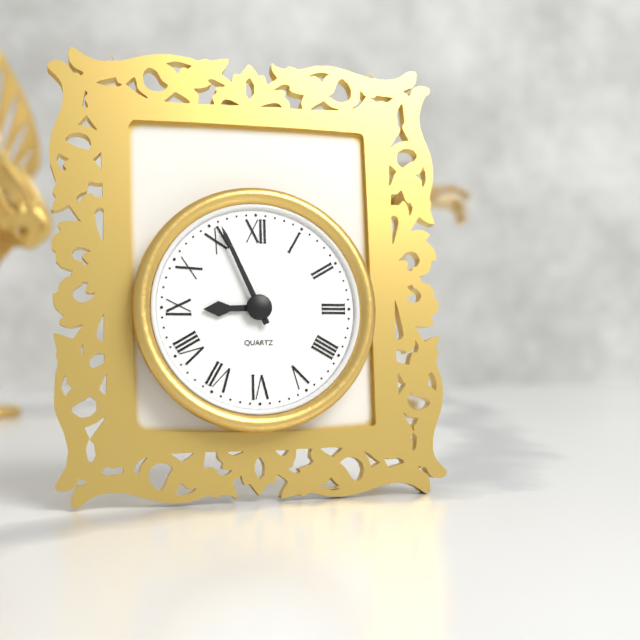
8:56
